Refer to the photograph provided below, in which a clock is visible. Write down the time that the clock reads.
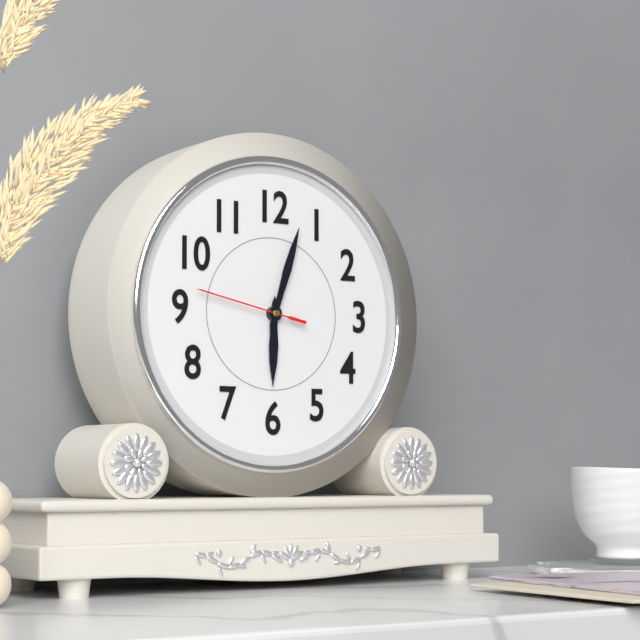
6:03:47
